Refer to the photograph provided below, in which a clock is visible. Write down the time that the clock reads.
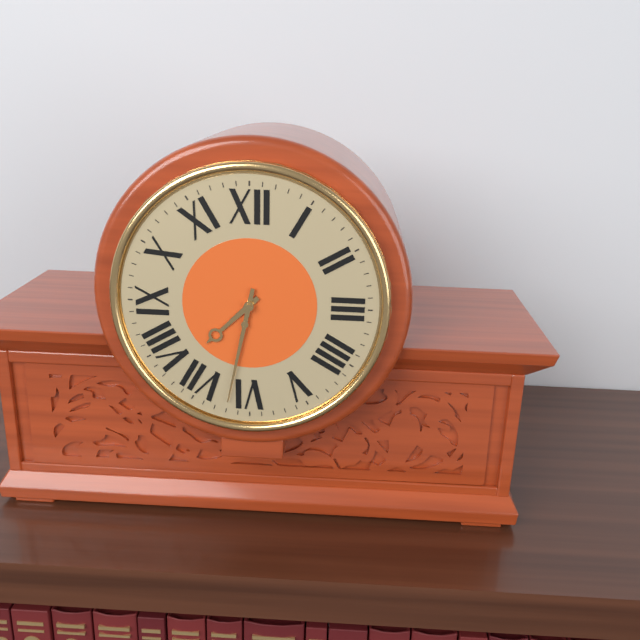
7:32
